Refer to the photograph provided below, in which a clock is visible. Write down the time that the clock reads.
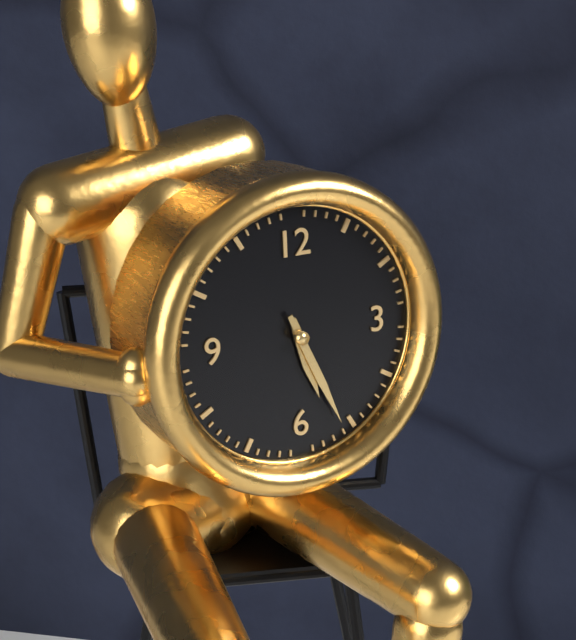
5:26
